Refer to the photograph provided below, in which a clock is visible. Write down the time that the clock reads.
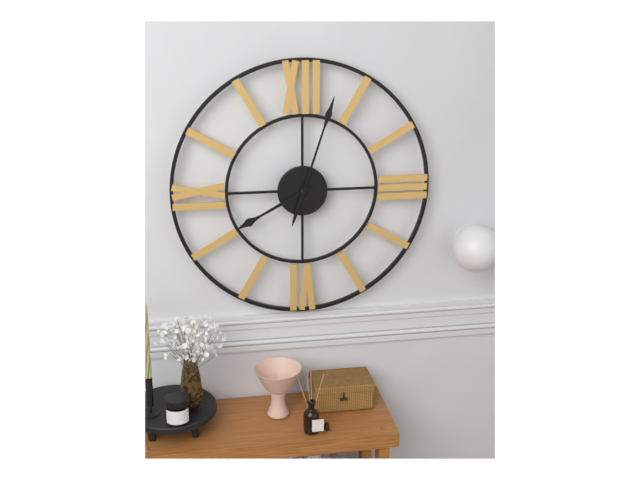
8:03
